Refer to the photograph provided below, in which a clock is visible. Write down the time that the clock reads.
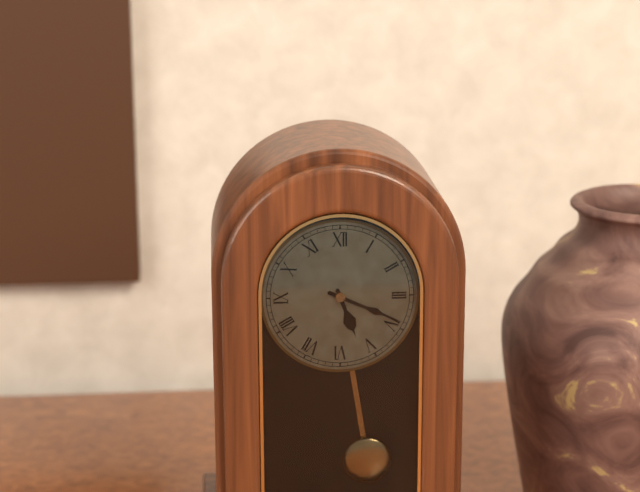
5:19
